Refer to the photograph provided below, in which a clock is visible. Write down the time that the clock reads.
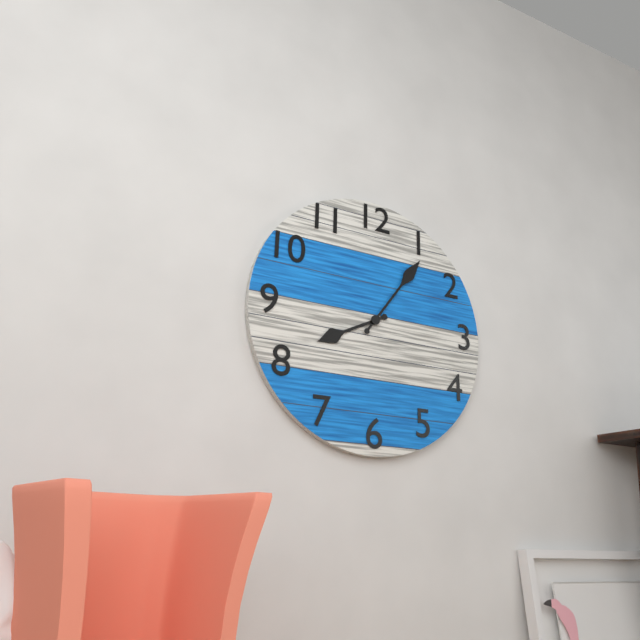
8:06
